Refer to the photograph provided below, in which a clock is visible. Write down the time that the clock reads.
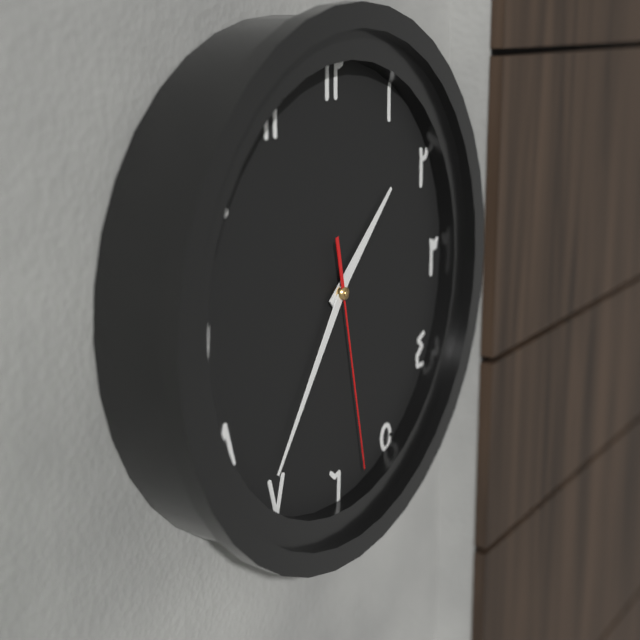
1:36:28
